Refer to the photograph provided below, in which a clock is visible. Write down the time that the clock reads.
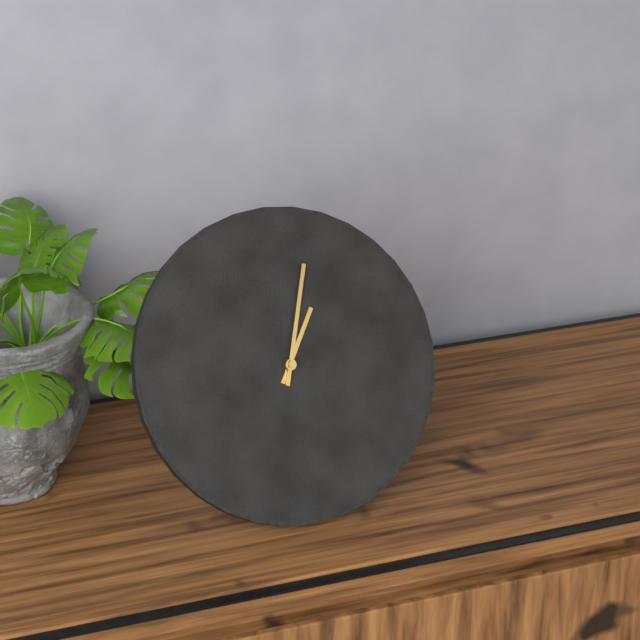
1:03
